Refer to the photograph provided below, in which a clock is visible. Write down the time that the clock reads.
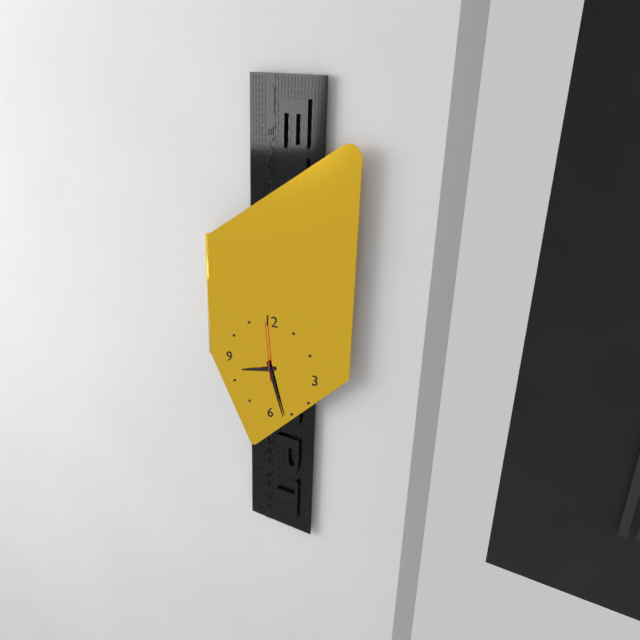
8:27:59
